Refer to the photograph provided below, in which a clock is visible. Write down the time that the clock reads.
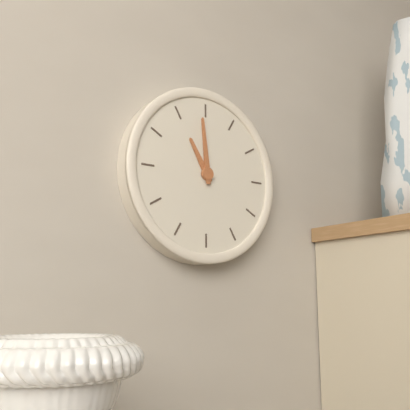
10:59
